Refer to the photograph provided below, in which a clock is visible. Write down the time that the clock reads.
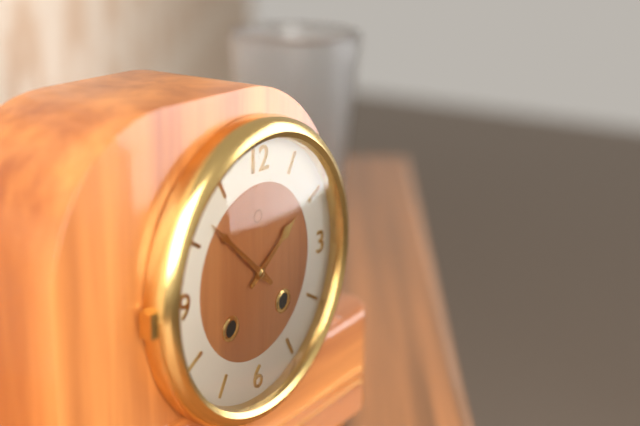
1:52
